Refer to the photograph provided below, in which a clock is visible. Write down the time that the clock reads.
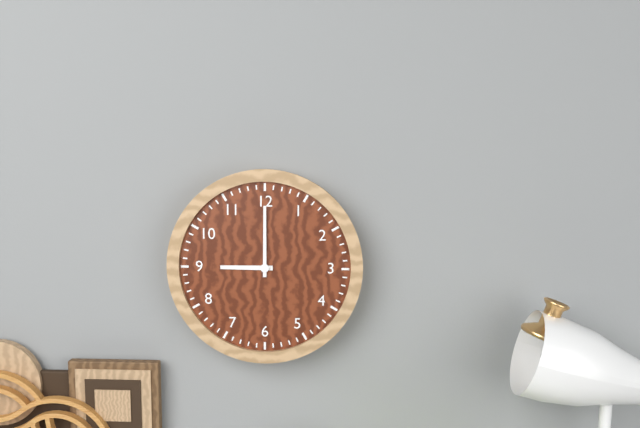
9:00
